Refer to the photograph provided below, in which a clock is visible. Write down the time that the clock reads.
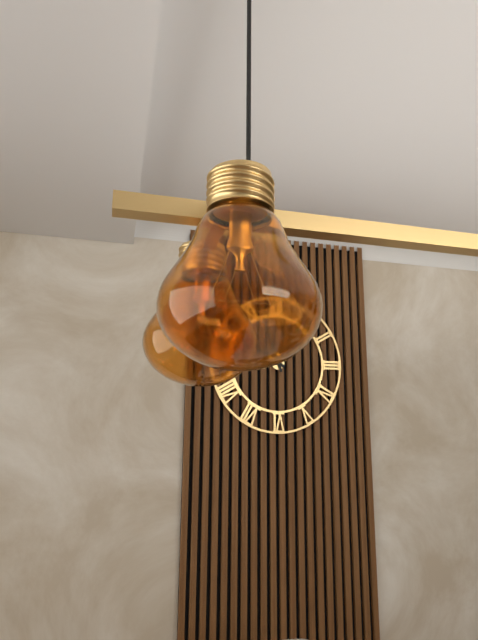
9:57
